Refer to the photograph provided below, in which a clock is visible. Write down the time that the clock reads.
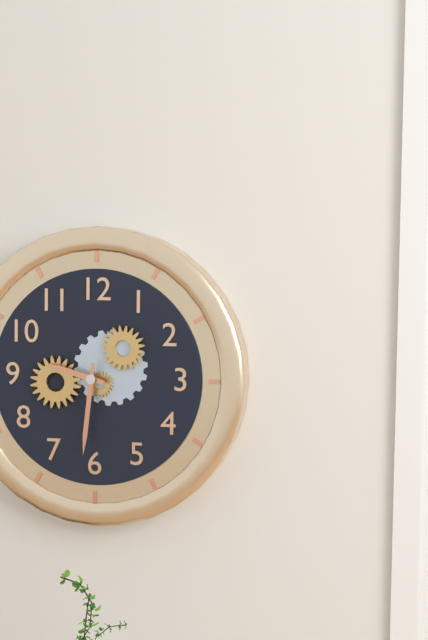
9:31
